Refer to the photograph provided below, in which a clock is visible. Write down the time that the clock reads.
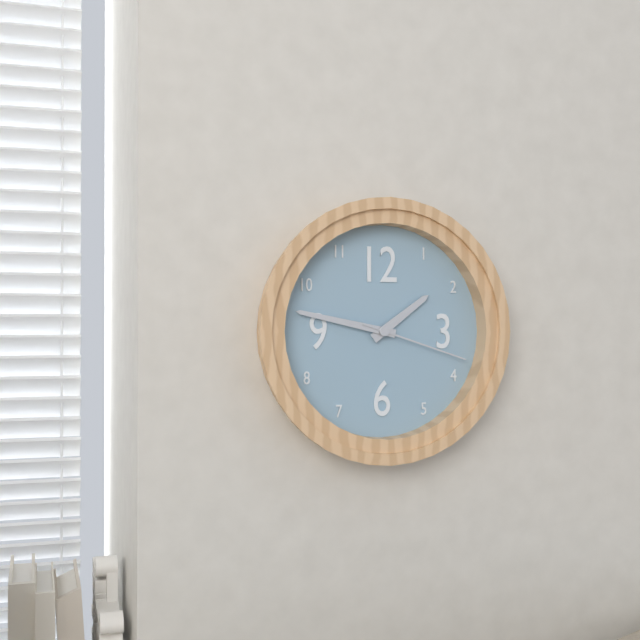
1:47:18
